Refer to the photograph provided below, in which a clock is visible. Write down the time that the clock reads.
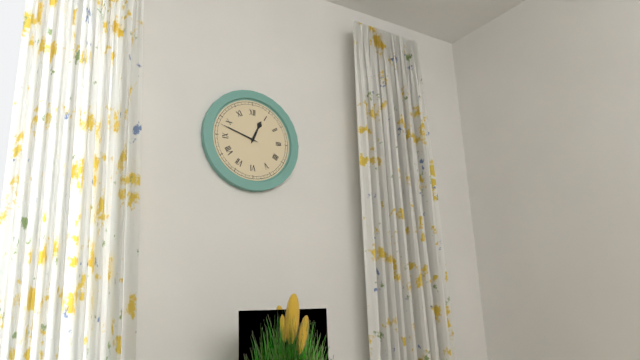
12:48
